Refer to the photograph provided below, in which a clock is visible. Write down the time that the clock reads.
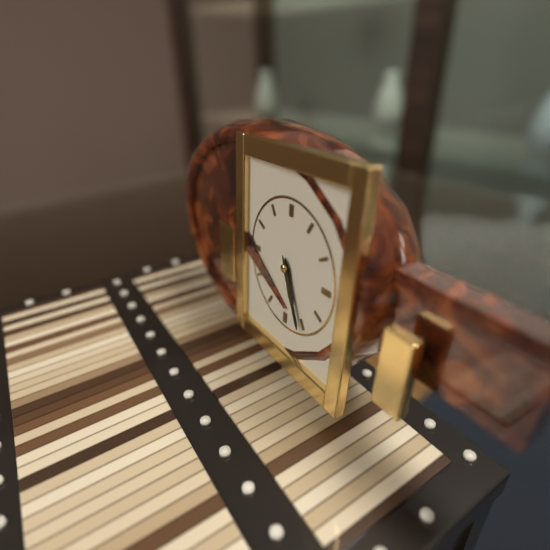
5:26
